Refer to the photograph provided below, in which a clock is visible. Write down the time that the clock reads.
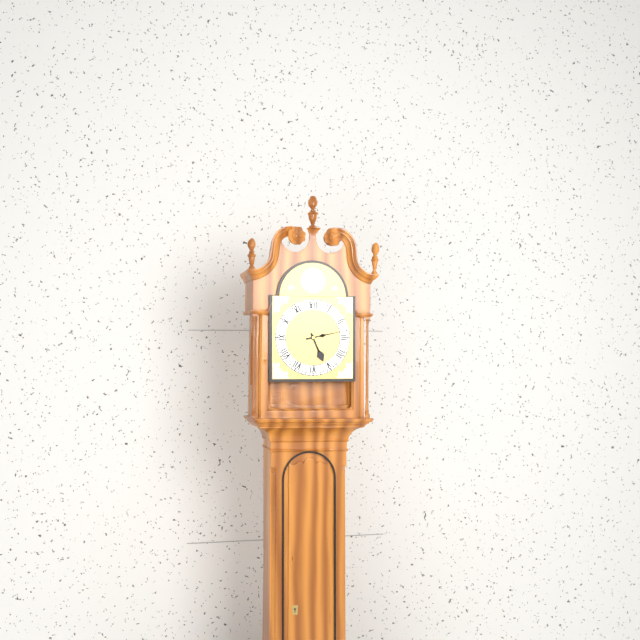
5:13
